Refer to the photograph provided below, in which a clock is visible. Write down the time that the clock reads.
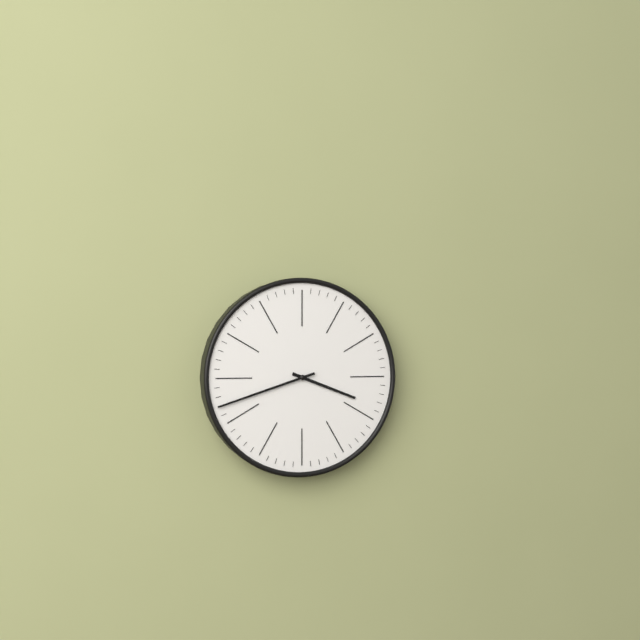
3:42
